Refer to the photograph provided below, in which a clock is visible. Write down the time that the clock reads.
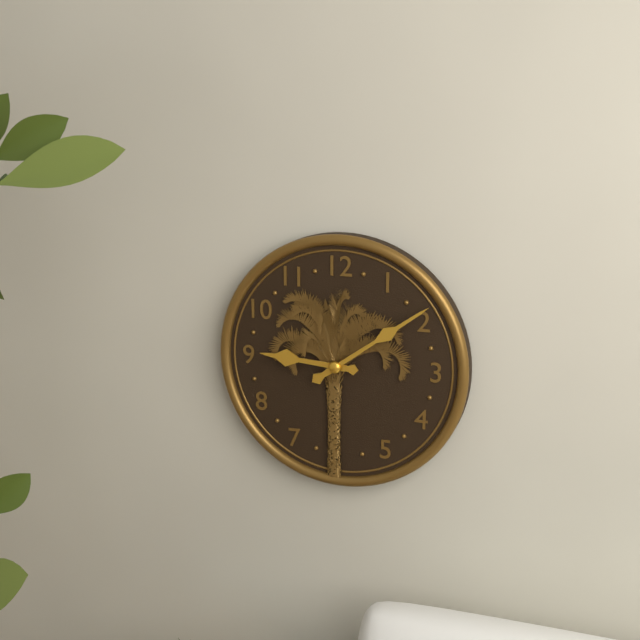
9:09
